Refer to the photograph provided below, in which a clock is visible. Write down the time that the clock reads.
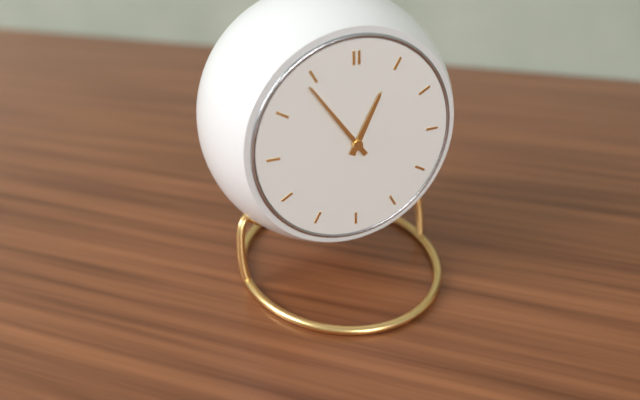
12:54
